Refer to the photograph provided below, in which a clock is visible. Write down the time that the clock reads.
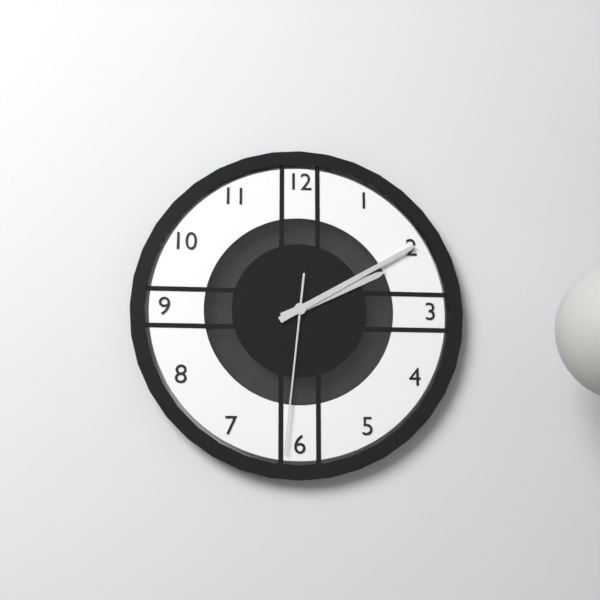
2:10:31
